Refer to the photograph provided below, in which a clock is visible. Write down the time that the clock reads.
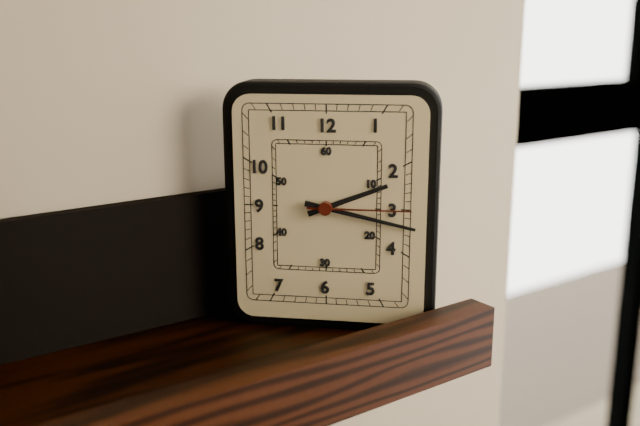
2:17:15
